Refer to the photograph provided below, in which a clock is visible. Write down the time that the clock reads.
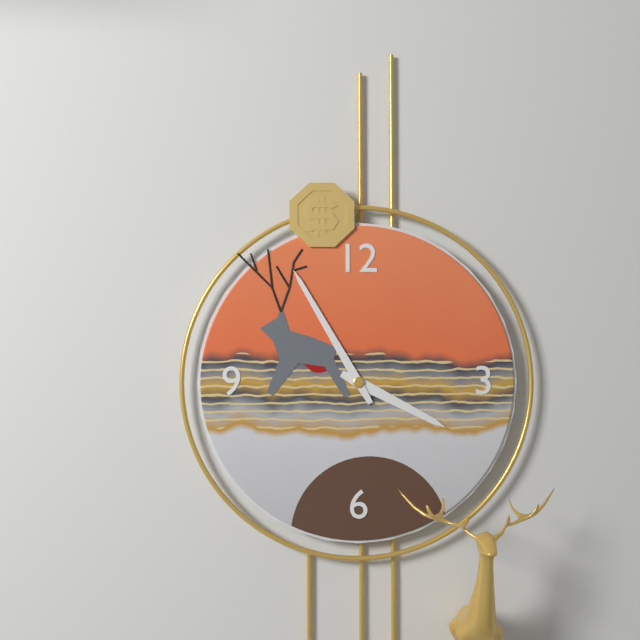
3:55
